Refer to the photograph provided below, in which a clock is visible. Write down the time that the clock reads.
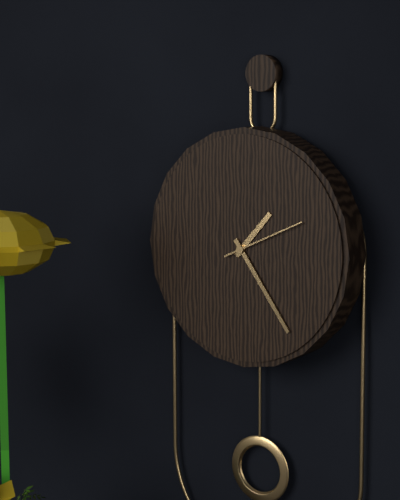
1:24:11
